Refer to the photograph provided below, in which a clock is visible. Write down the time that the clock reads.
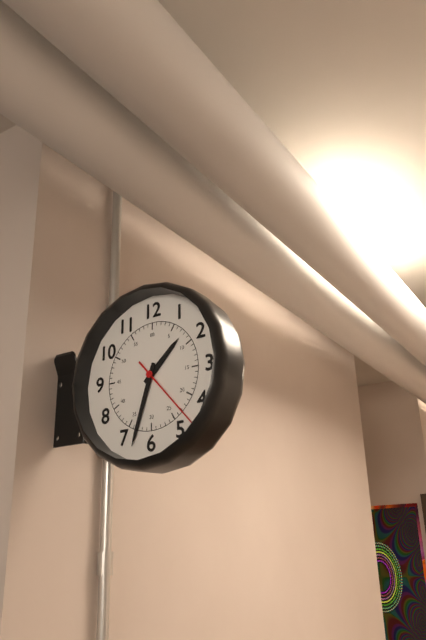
1:33:23
